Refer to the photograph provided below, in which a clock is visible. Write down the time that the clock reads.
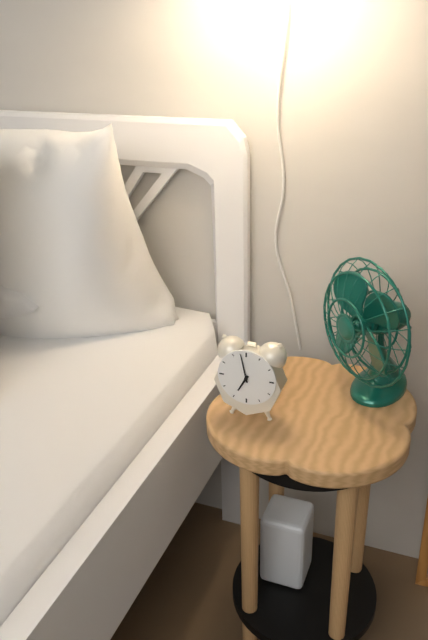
6:58
